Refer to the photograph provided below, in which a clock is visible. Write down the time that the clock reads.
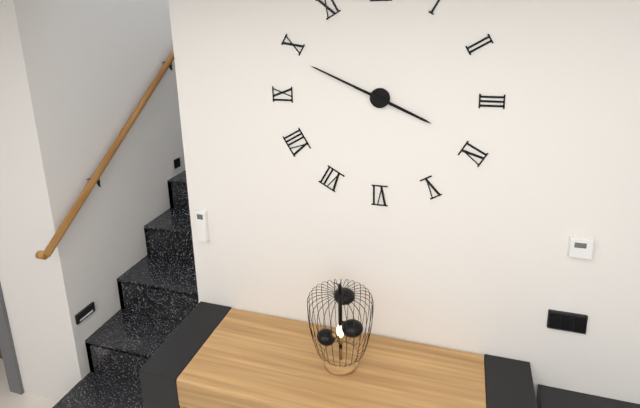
3:49
